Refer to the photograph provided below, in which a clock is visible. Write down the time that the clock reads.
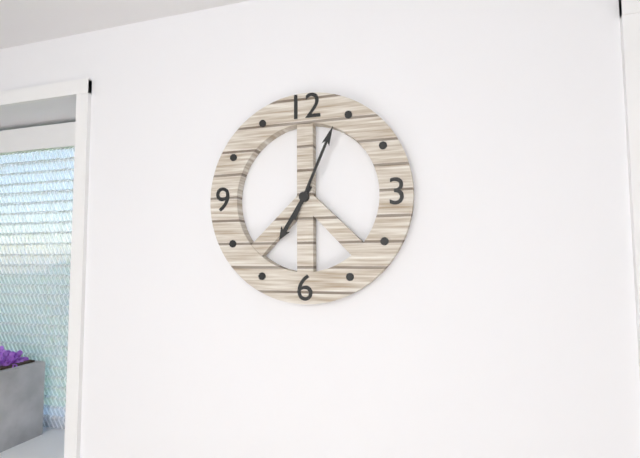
7:04
